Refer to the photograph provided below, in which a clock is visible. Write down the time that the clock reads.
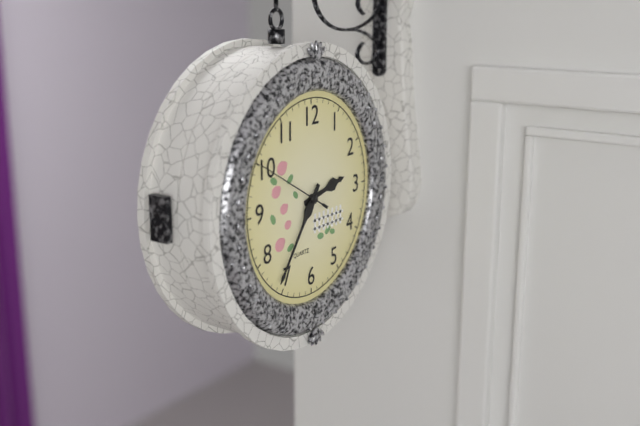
2:36:50
